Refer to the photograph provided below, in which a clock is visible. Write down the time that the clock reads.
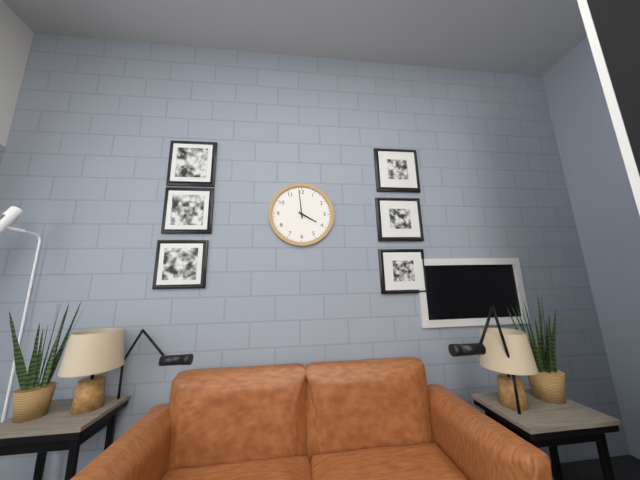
3:59
